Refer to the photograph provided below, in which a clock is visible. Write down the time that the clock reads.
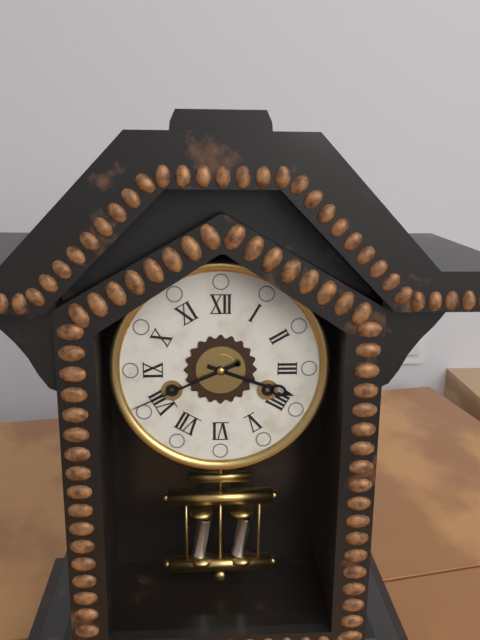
3:41
